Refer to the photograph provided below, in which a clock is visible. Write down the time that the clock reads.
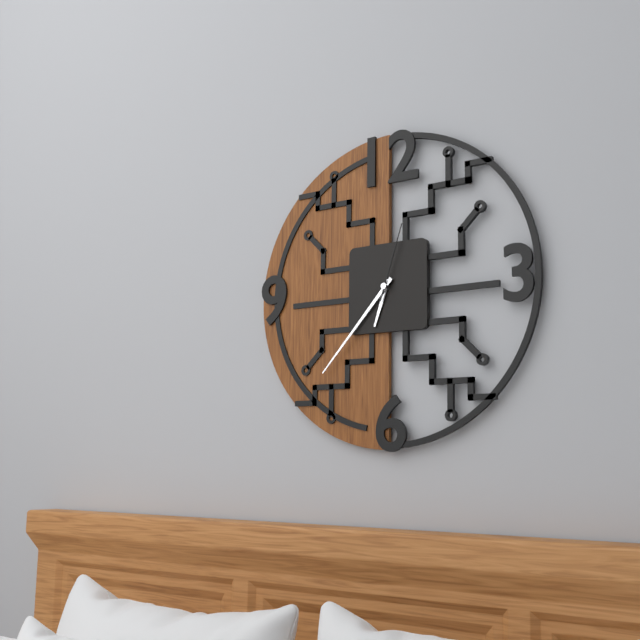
6:37:03
